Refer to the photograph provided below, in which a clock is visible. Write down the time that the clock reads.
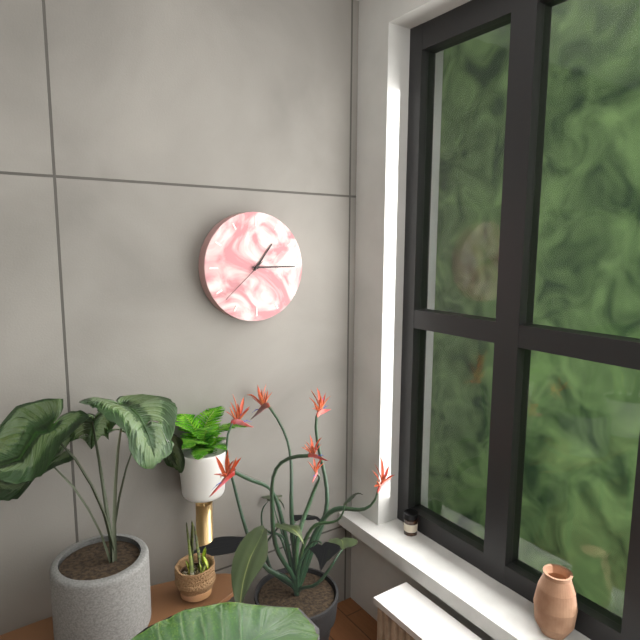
1:15:38
